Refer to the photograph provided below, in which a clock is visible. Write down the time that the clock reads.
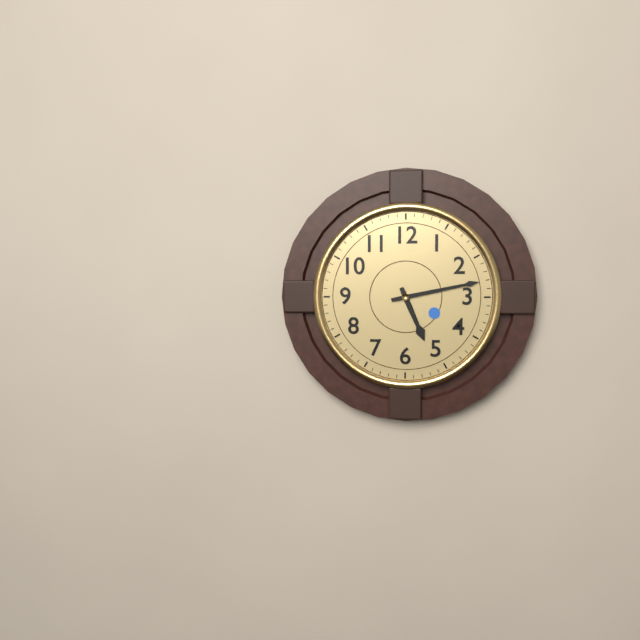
5:13
